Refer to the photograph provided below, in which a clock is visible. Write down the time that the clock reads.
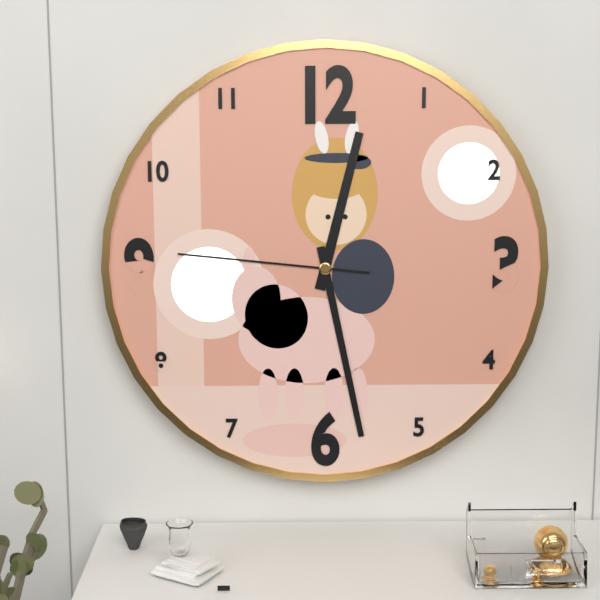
12:28:46
